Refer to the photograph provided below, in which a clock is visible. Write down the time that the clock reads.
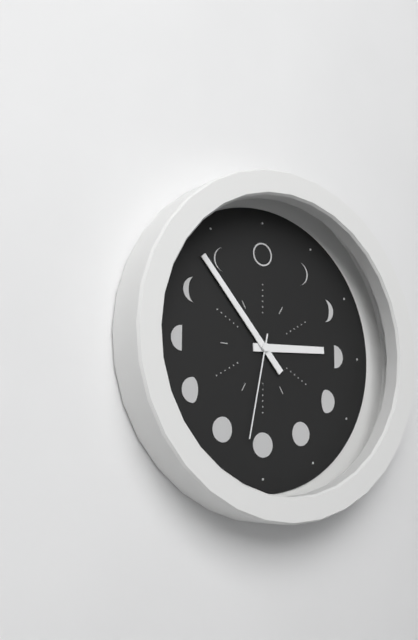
2:53:32
